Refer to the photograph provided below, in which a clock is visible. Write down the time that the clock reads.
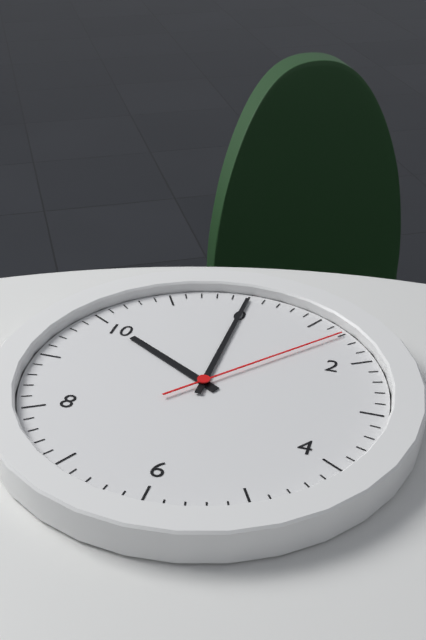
10:00:07
